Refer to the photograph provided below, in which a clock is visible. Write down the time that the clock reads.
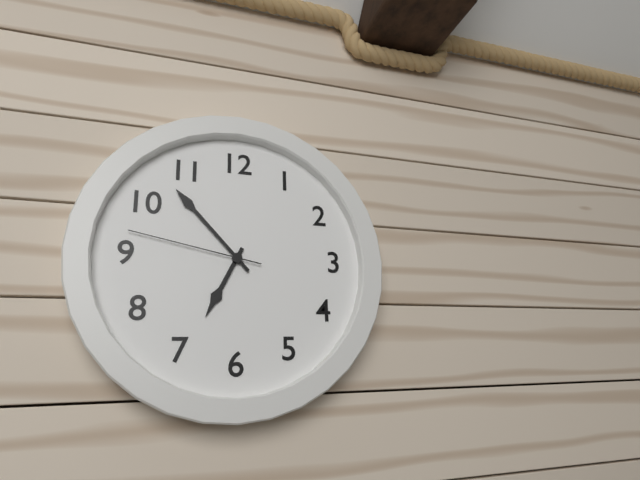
6:53:47
